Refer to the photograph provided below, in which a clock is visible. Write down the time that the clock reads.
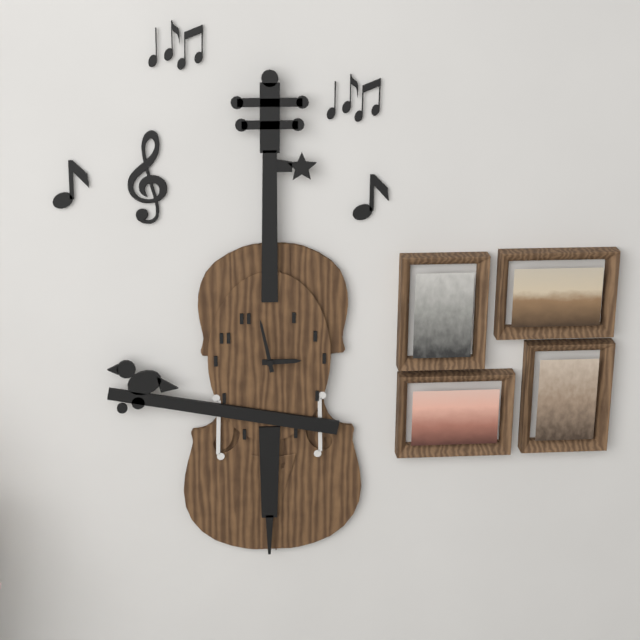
2:58
